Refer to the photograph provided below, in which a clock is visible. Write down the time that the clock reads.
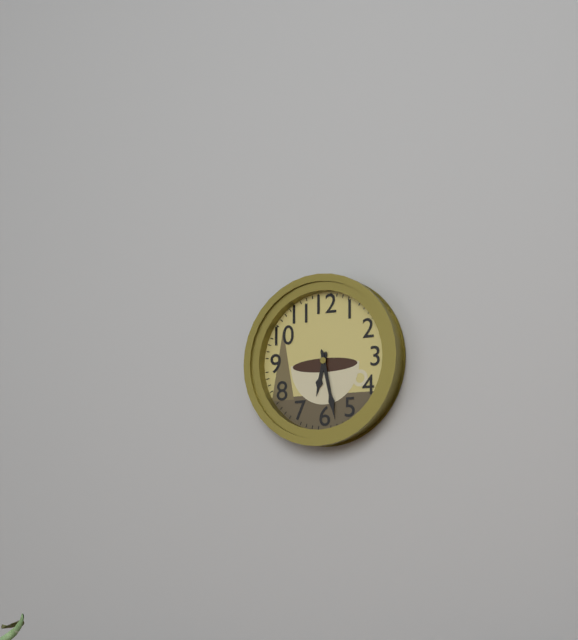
6:28
